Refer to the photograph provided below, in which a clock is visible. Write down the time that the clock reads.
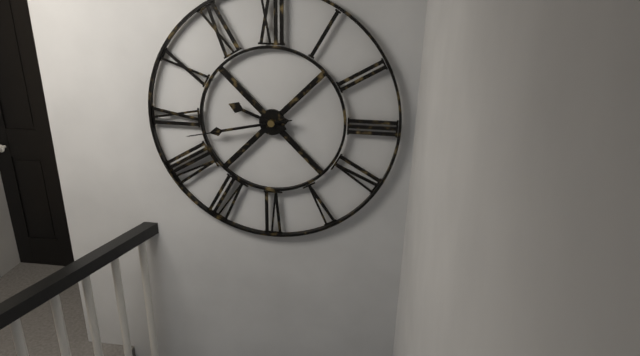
9:43:43
